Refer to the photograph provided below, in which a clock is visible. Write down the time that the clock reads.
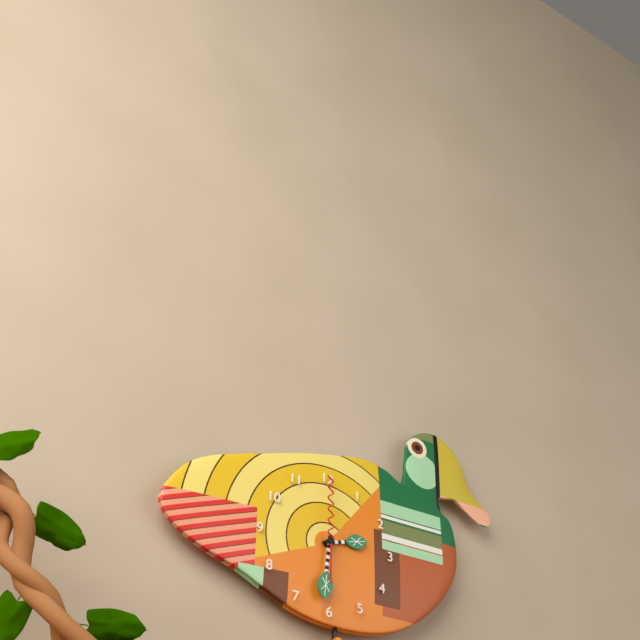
2:31:00
